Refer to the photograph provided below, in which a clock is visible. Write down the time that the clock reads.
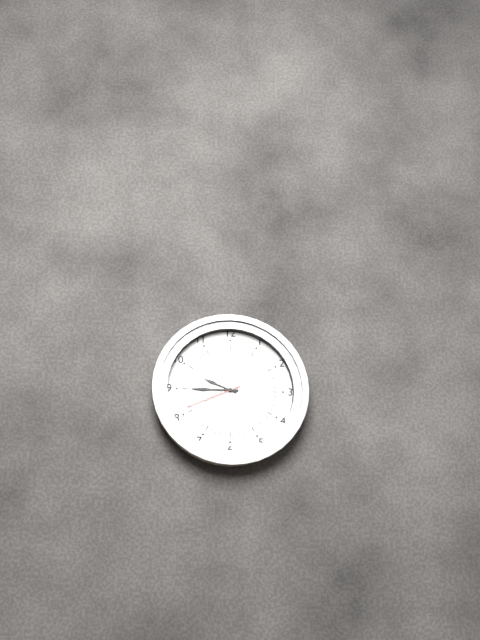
9:45:41
